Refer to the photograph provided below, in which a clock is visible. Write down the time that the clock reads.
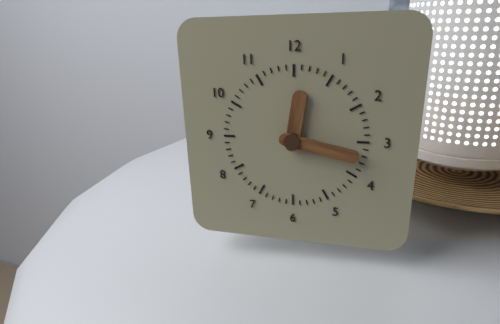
12:17
